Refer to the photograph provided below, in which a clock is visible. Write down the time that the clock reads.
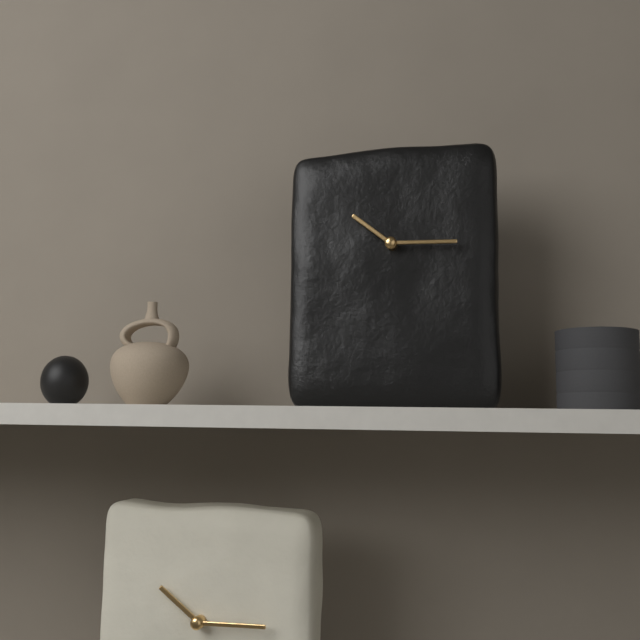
10:15
